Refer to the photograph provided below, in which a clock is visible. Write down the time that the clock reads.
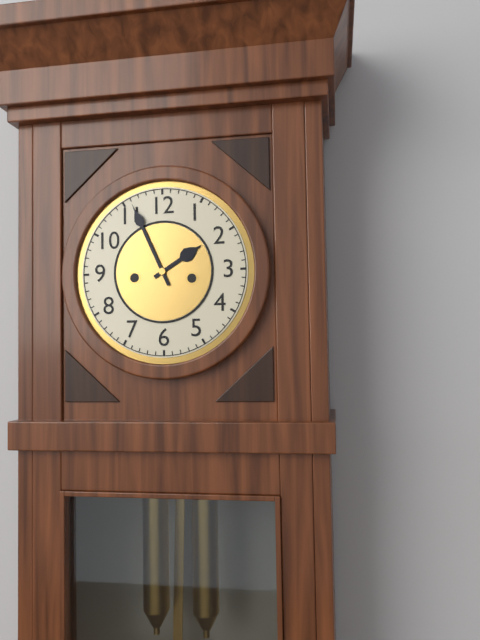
1:56
